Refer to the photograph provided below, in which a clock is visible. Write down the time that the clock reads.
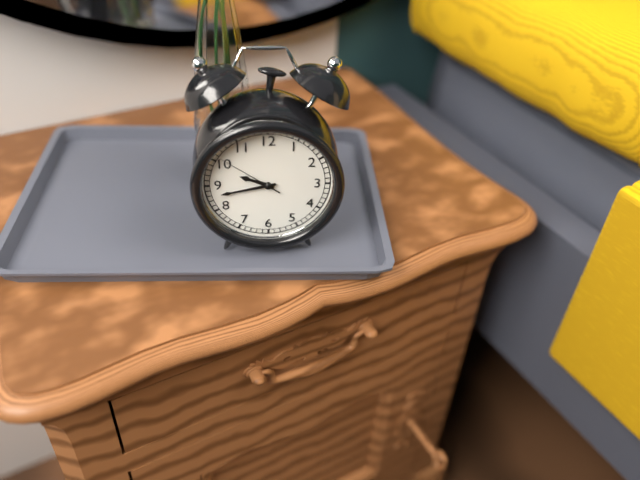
9:43:51
